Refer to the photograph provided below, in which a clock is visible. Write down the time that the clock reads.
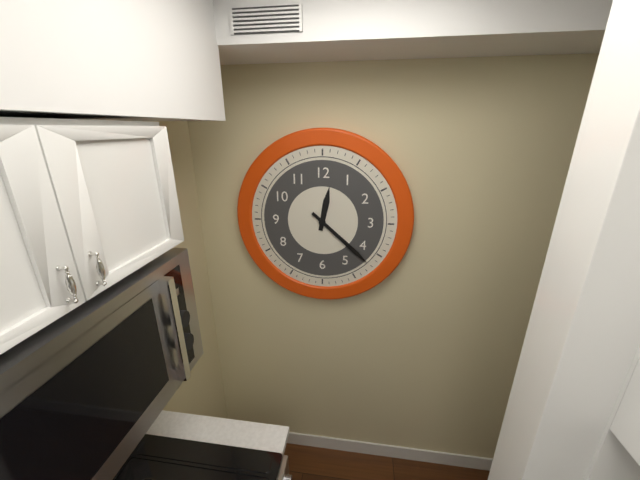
12:22
